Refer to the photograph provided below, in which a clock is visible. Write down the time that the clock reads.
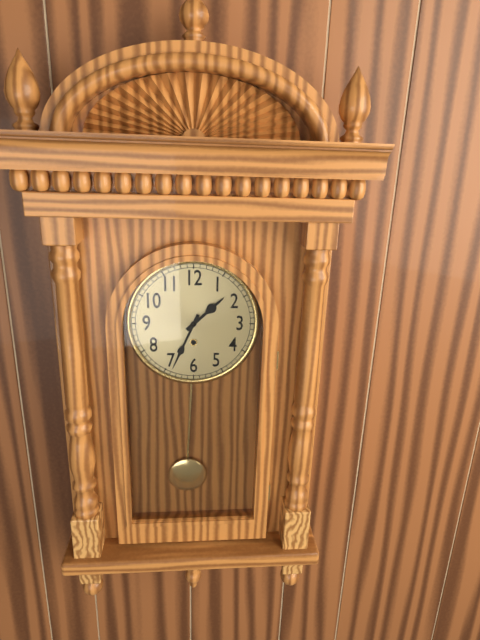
1:34
